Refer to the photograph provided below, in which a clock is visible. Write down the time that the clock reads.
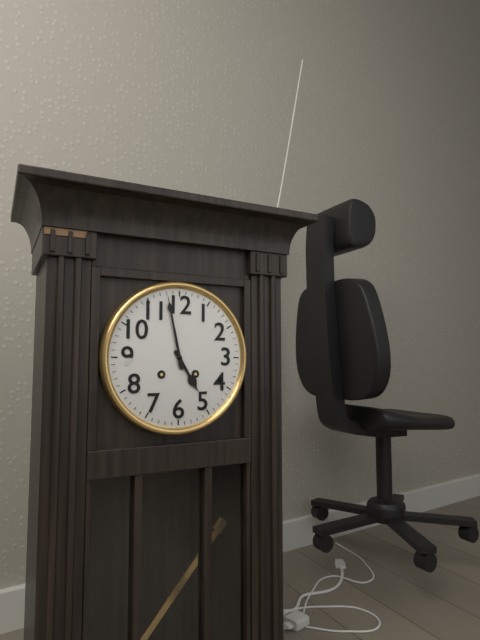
4:58
